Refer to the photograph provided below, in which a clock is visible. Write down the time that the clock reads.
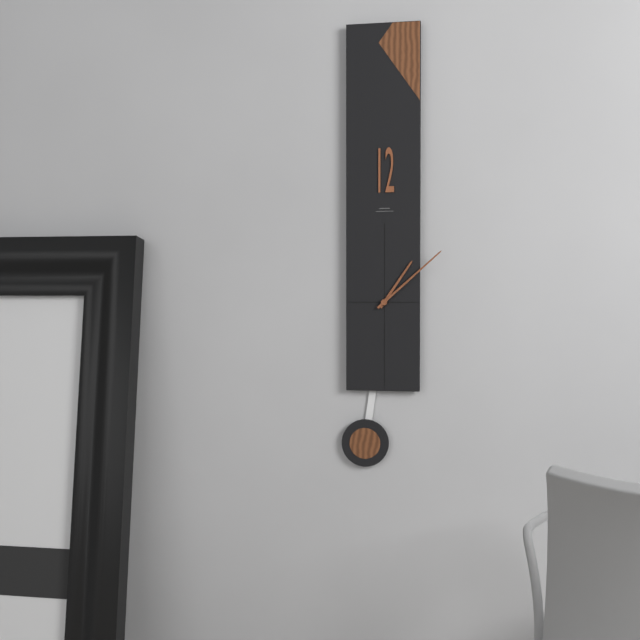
1:08
